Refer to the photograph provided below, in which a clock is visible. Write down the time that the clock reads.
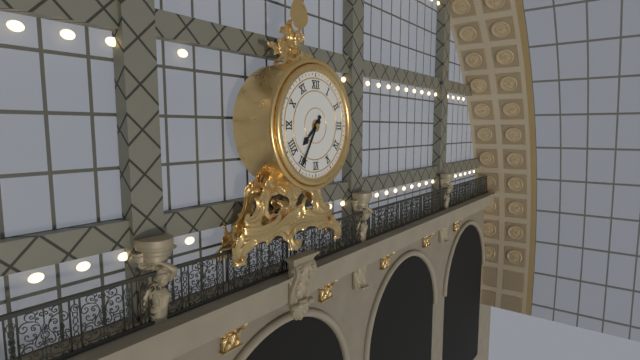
7:35
